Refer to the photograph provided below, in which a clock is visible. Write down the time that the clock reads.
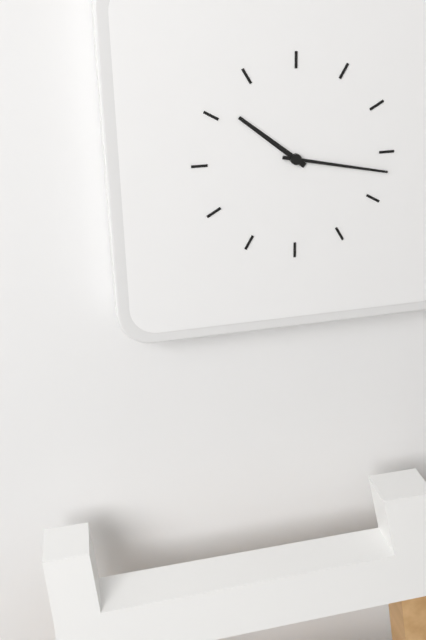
10:17
